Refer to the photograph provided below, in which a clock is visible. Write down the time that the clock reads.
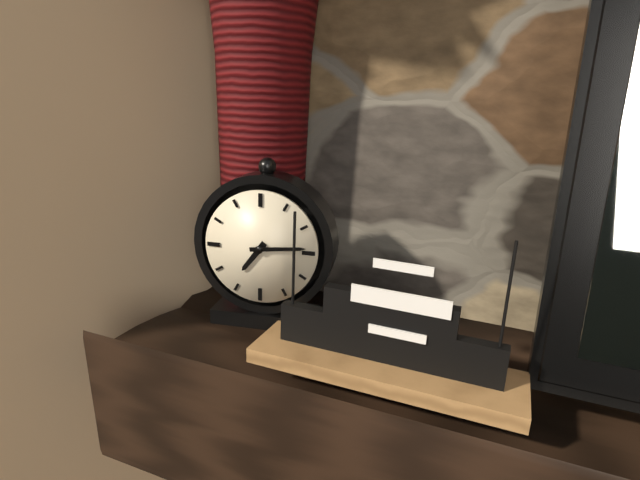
7:14
